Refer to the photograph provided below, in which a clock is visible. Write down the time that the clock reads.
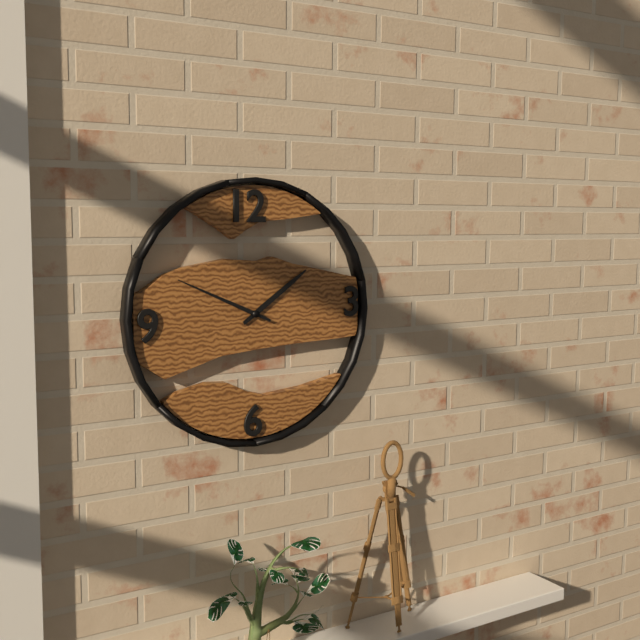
1:49
